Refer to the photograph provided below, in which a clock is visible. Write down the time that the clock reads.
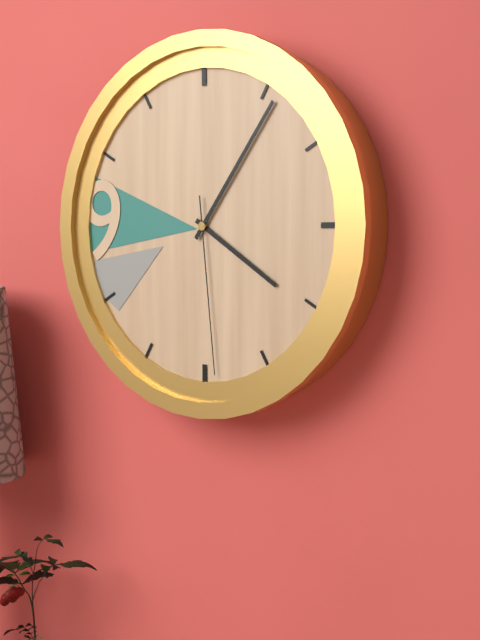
4:06:29
